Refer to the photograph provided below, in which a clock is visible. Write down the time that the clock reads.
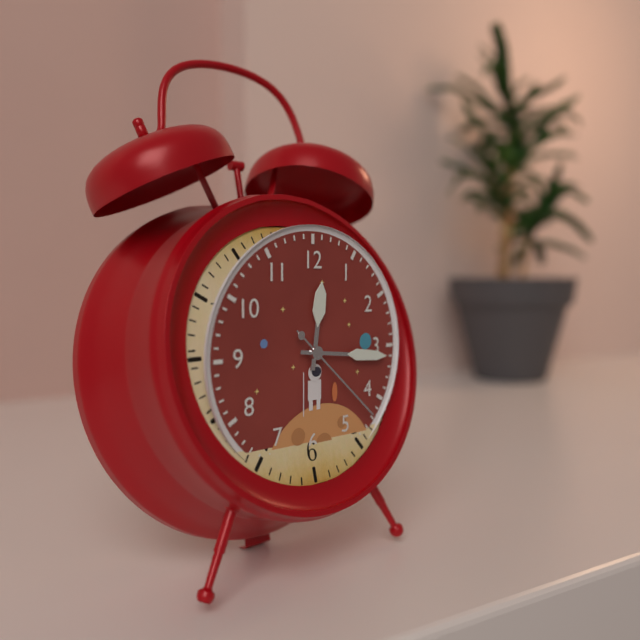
12:16:22
